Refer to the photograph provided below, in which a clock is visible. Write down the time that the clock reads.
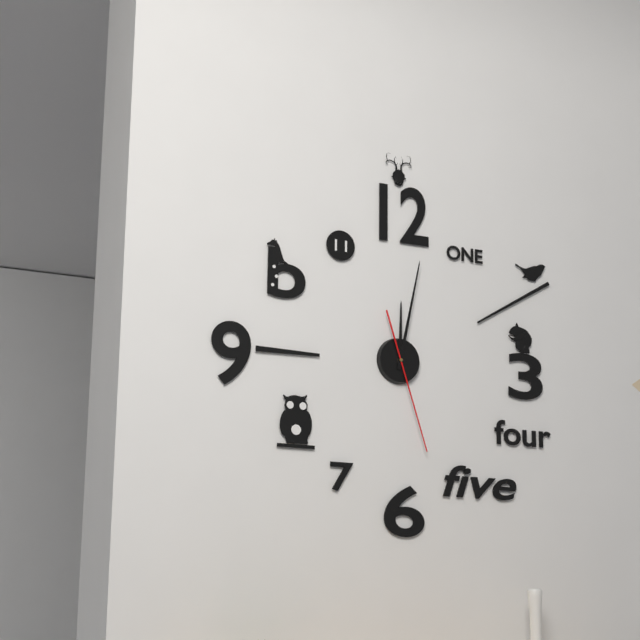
12:02:27
